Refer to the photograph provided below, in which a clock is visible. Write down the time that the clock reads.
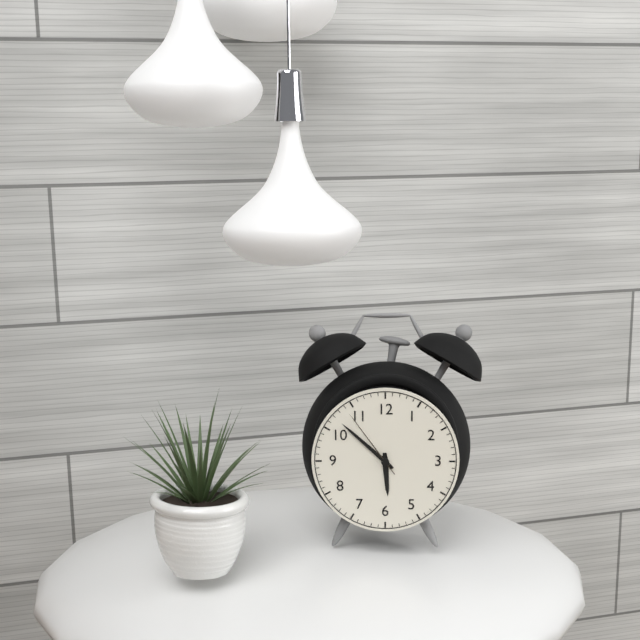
5:52:54
